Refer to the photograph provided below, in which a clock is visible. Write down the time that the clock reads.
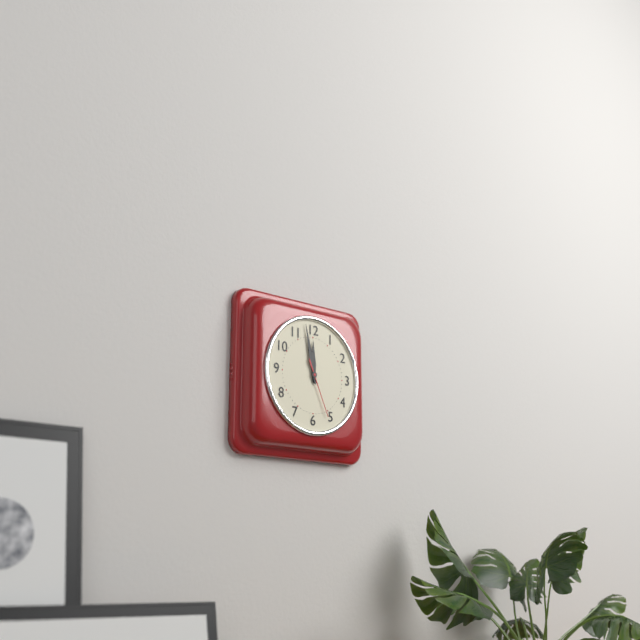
11:58:26
